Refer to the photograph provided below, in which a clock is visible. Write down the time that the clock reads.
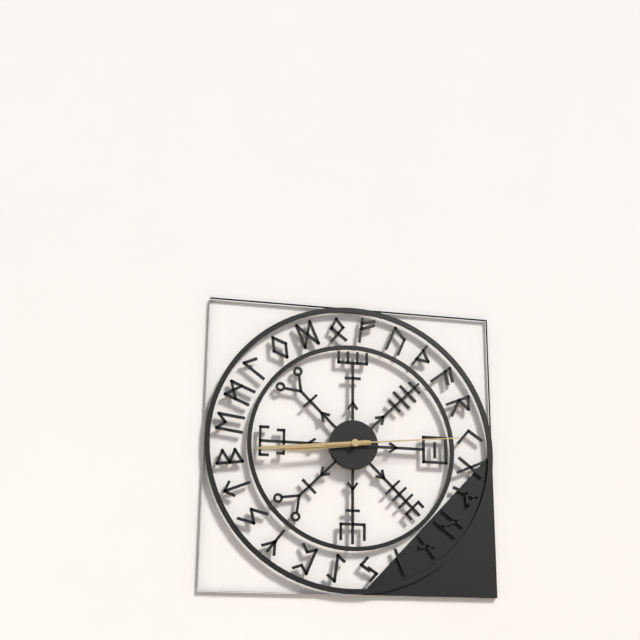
8:44:14
